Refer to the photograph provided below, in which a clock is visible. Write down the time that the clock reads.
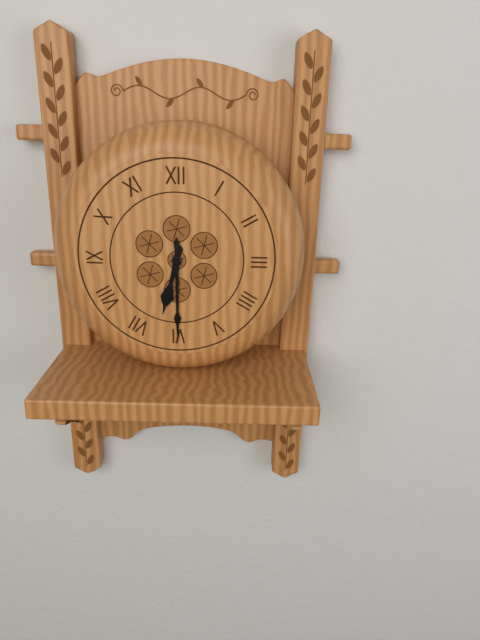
6:30
